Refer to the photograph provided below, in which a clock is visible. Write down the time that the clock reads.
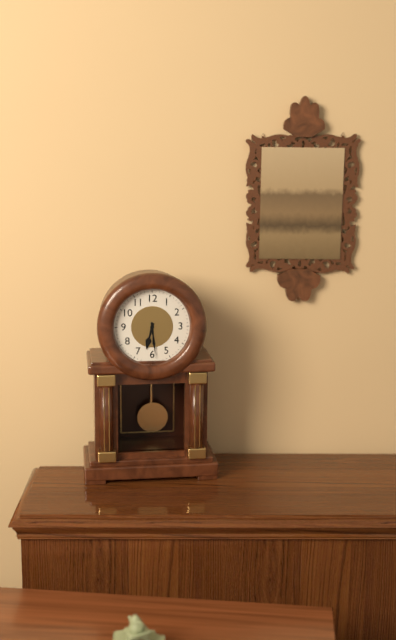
6:29
